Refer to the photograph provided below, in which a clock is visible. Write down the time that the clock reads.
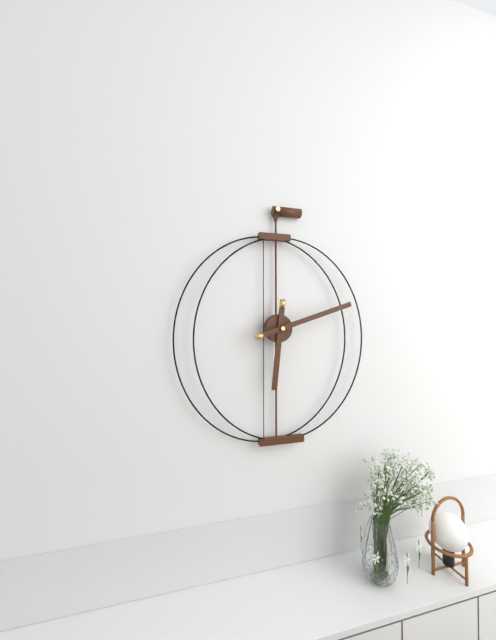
6:12
